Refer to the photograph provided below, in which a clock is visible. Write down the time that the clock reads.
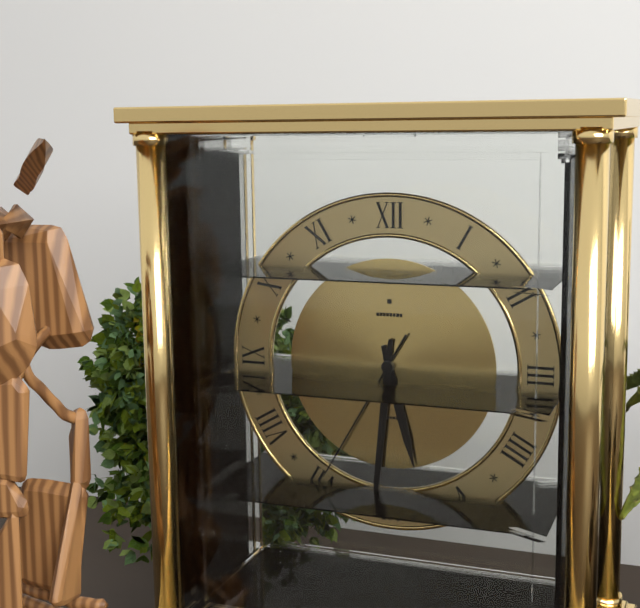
5:31:35
